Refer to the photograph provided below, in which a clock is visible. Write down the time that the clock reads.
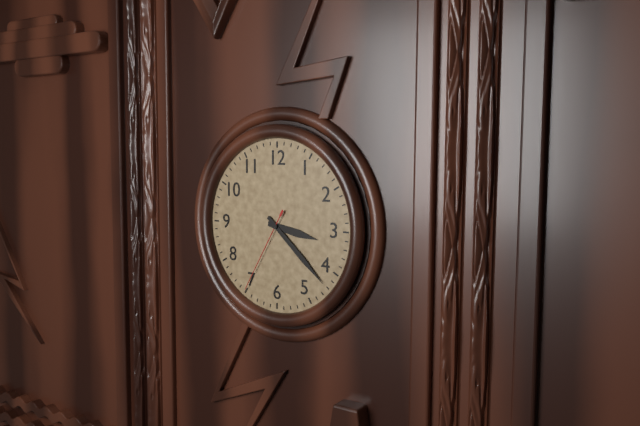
3:22:35
